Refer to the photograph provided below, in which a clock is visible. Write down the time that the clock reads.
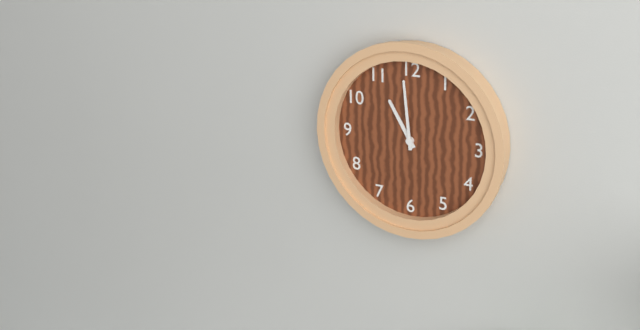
10:59
